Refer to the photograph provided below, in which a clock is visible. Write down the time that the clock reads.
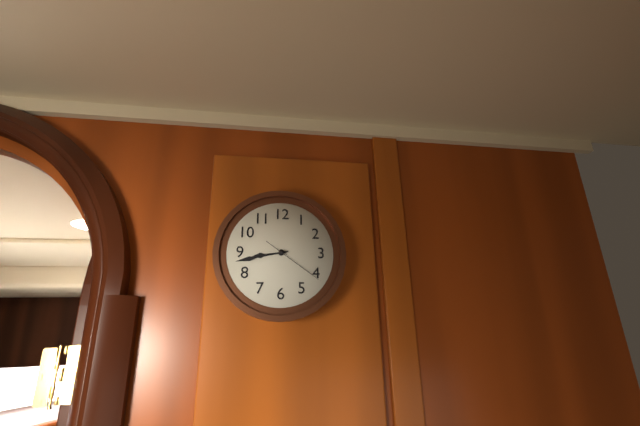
8:43:21
